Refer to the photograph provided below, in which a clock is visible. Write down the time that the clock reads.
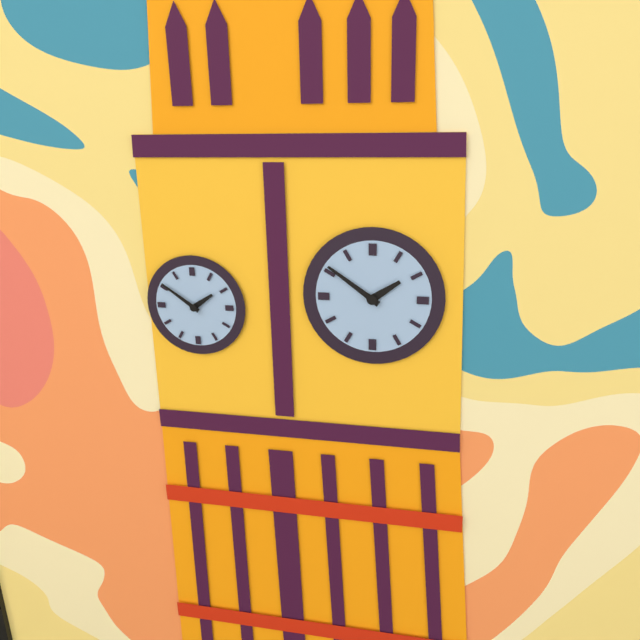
1:51
